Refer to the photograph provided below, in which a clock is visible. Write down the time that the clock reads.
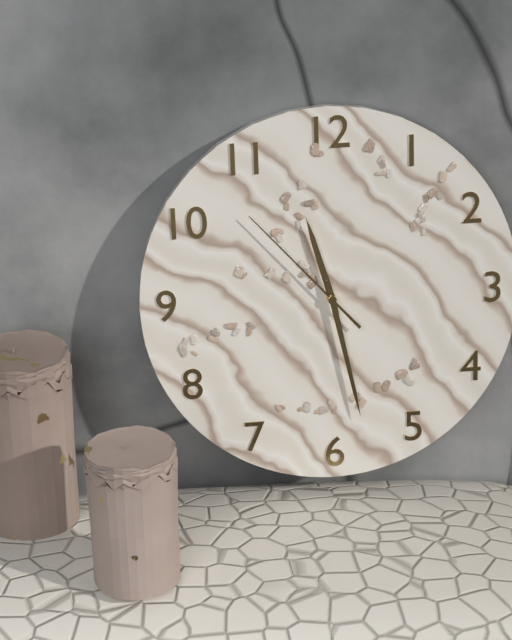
11:28:53
